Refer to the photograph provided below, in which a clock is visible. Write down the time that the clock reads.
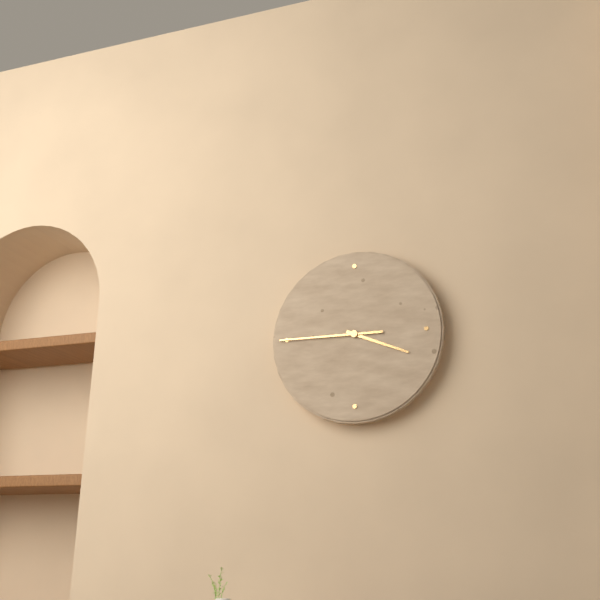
3:45
